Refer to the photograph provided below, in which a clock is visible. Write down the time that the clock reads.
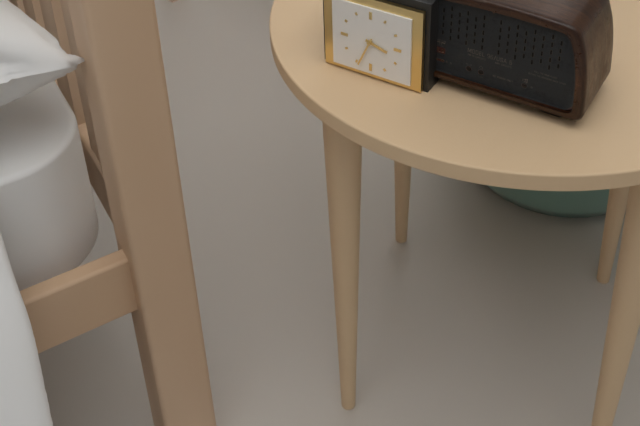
3:34
